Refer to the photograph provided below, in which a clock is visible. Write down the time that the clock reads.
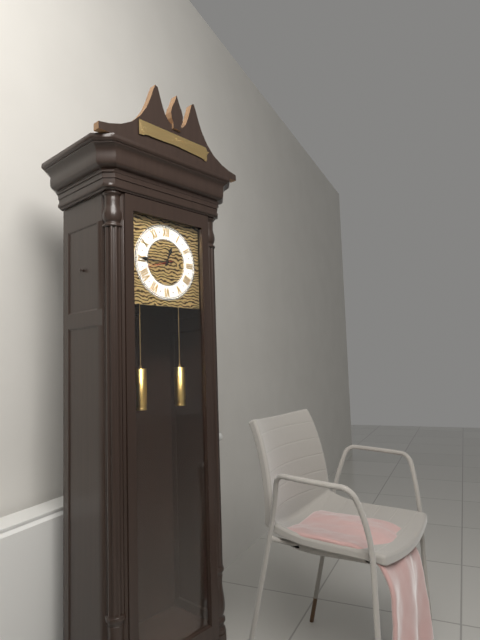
12:45
